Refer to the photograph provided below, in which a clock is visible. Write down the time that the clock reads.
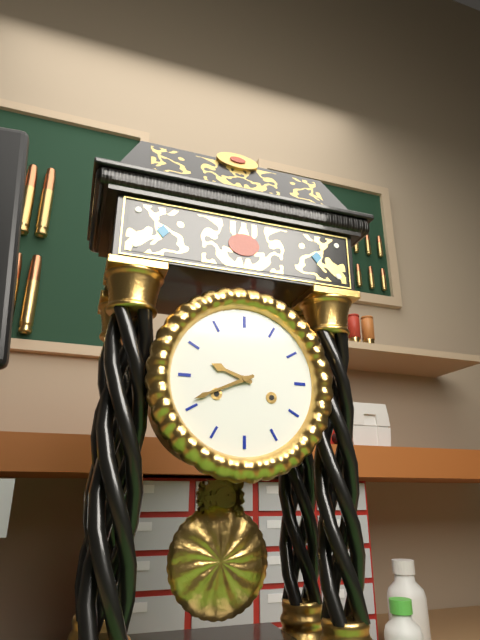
9:41
